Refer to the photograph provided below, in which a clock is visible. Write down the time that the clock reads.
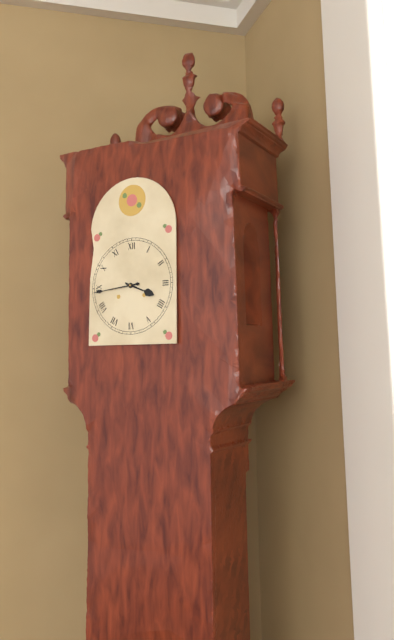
3:44
